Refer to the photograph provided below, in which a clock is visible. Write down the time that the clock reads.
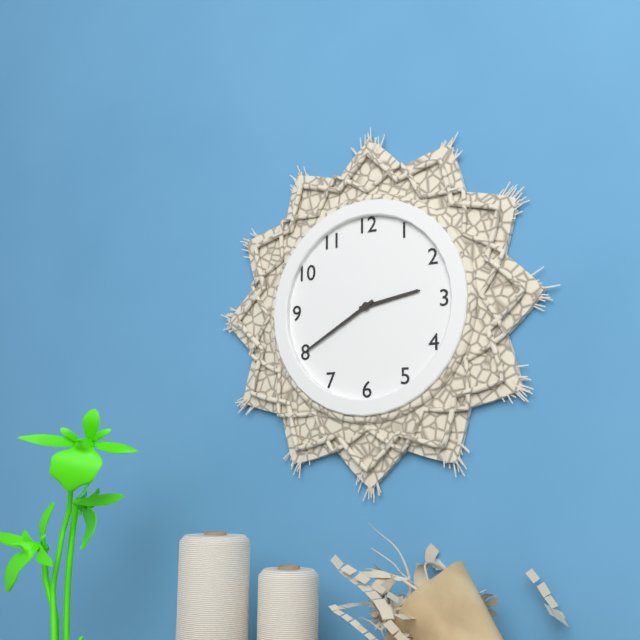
2:40
